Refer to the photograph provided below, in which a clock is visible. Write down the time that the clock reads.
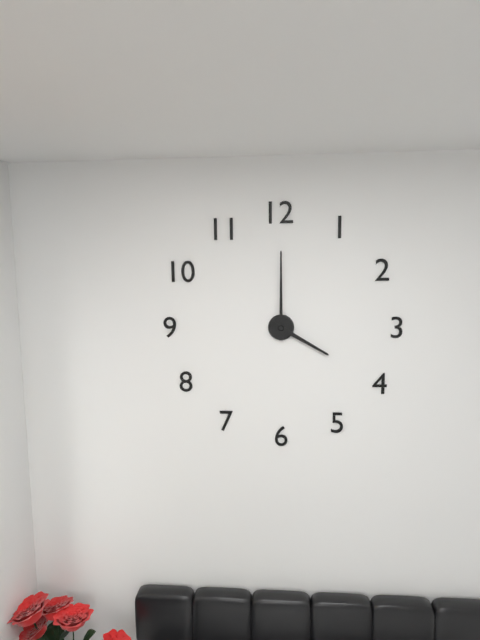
4:00
